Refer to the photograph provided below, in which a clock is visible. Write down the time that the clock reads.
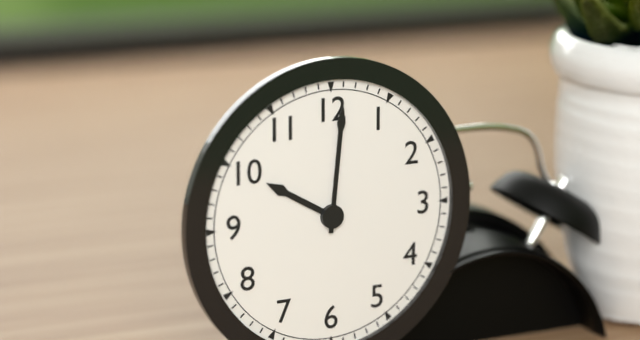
10:01
